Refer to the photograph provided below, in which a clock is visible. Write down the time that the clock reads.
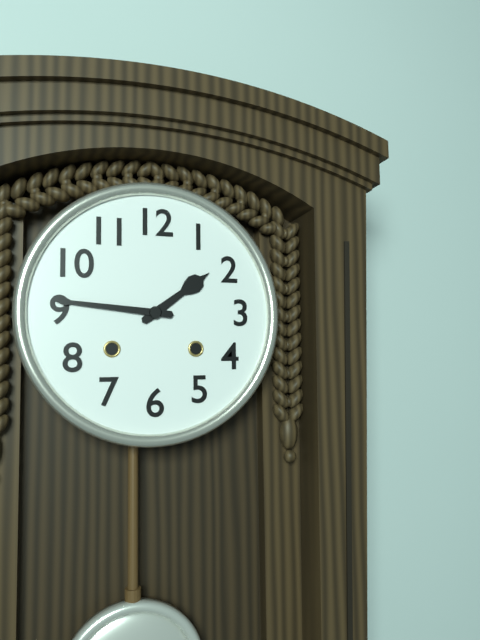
1:46
